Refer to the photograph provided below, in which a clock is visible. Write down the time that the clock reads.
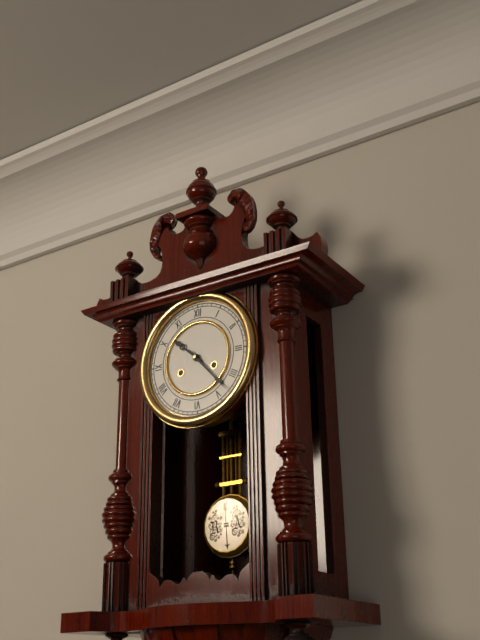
10:23
